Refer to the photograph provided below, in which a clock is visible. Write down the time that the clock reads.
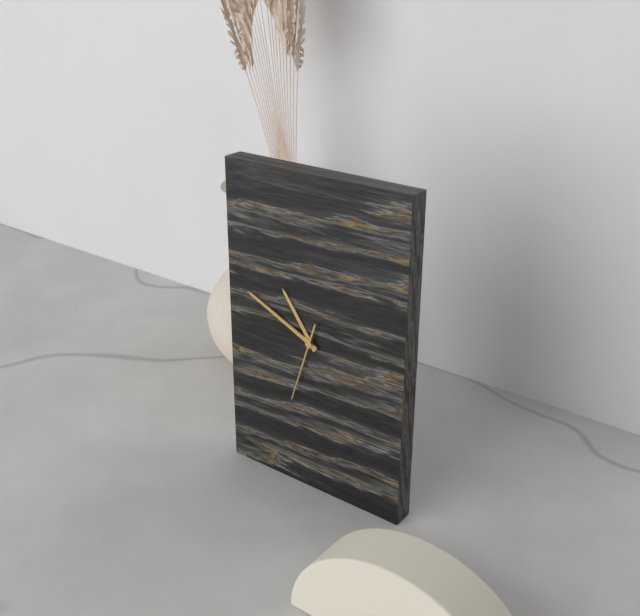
10:49:33
